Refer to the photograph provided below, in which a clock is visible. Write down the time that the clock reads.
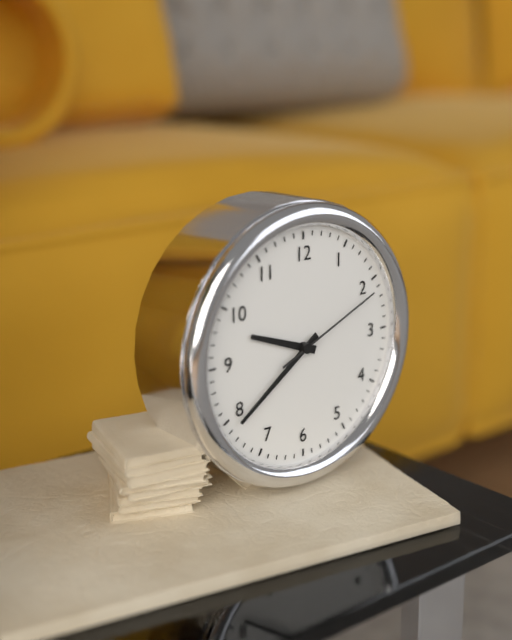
9:39:11
